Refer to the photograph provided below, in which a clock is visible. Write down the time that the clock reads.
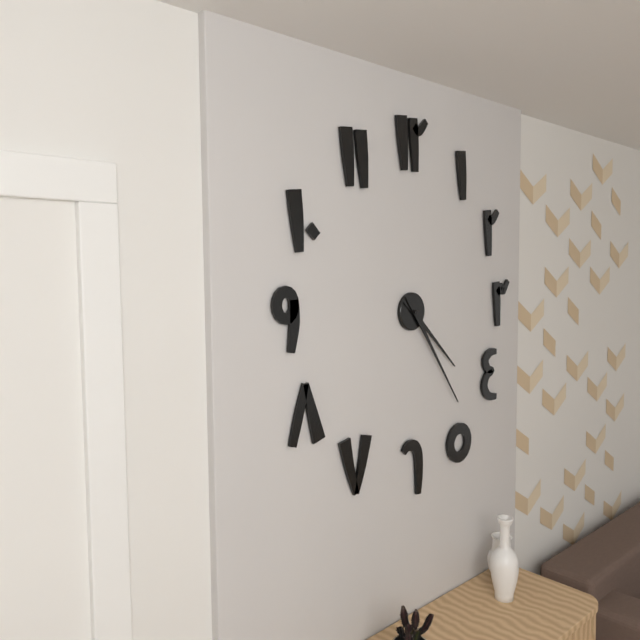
4:24
